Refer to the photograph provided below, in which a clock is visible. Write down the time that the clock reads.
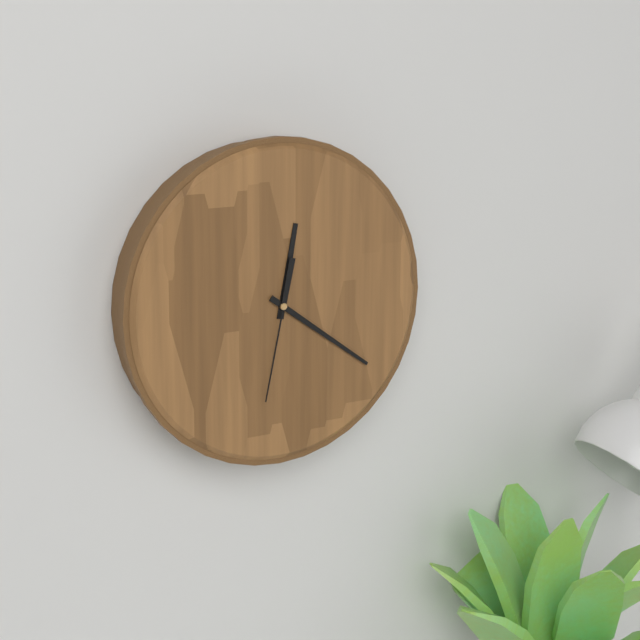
12:21:32
